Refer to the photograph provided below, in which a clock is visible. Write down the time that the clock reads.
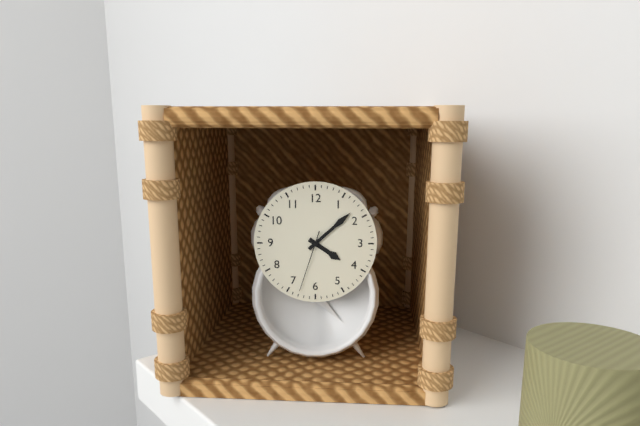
4:08:33
